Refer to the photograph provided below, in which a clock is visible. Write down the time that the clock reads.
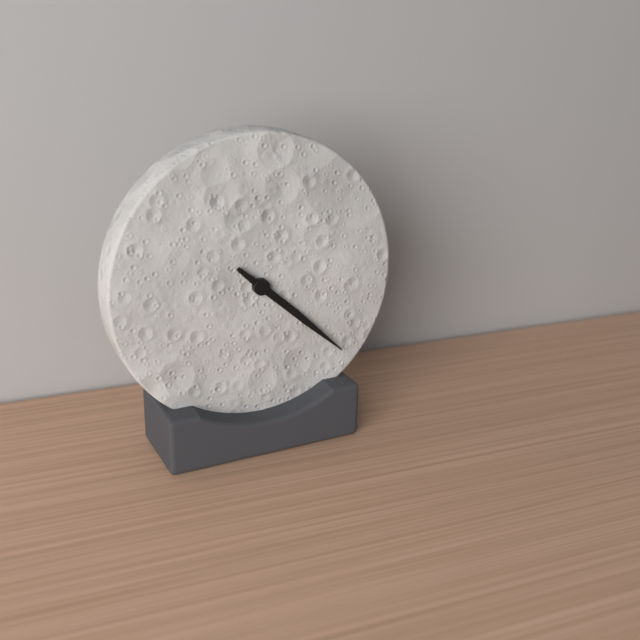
4:22
